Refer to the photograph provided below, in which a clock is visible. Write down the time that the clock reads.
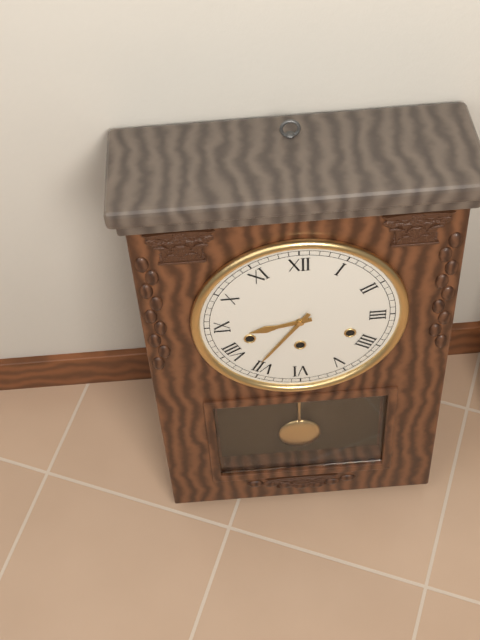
8:36
